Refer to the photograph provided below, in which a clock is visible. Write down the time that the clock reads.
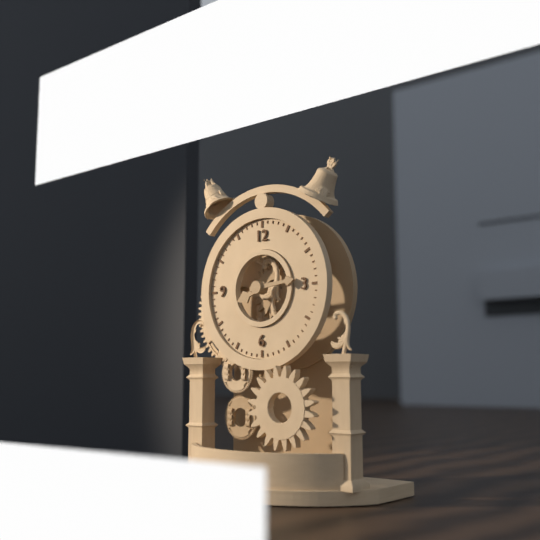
8:14
